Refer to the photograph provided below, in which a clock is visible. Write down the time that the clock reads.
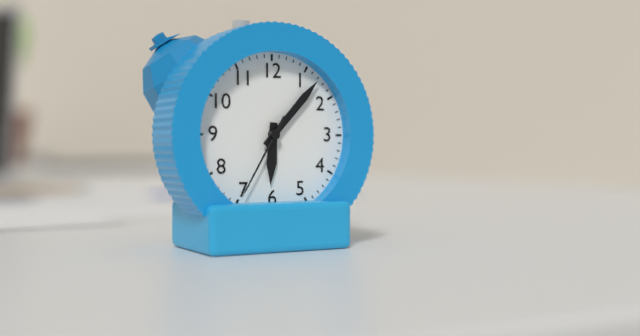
6:07:35
